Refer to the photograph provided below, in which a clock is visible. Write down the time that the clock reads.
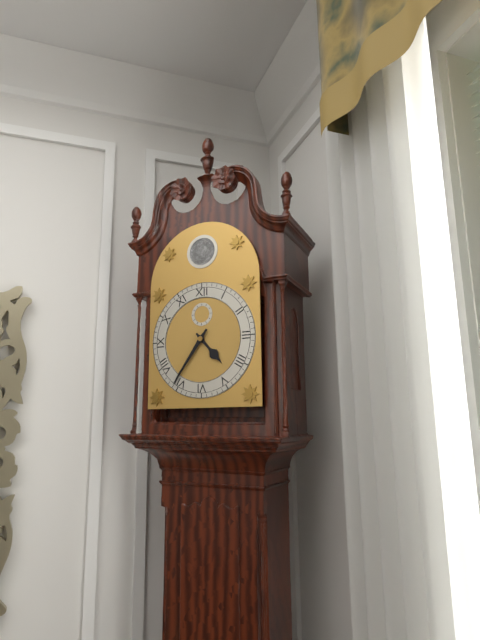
4:36
